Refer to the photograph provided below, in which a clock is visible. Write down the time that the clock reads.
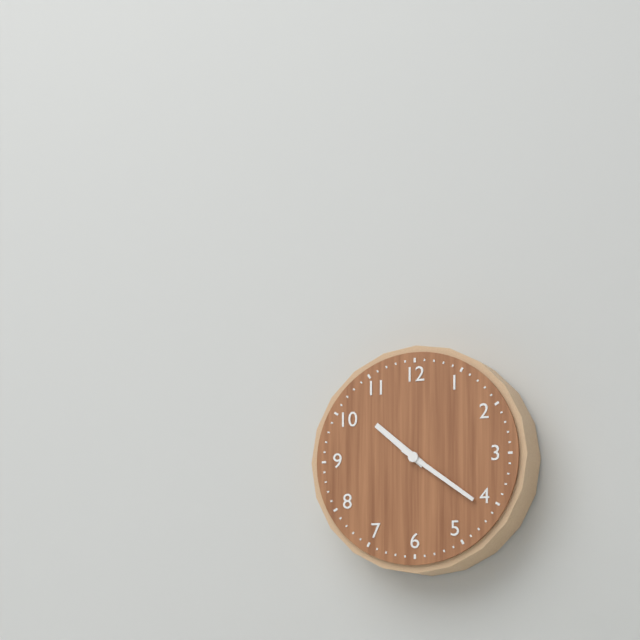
10:21
